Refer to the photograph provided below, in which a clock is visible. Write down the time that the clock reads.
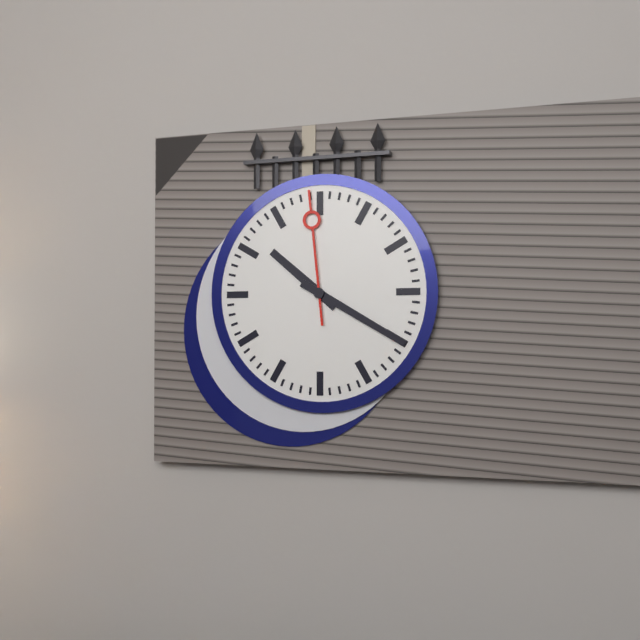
10:20:59
